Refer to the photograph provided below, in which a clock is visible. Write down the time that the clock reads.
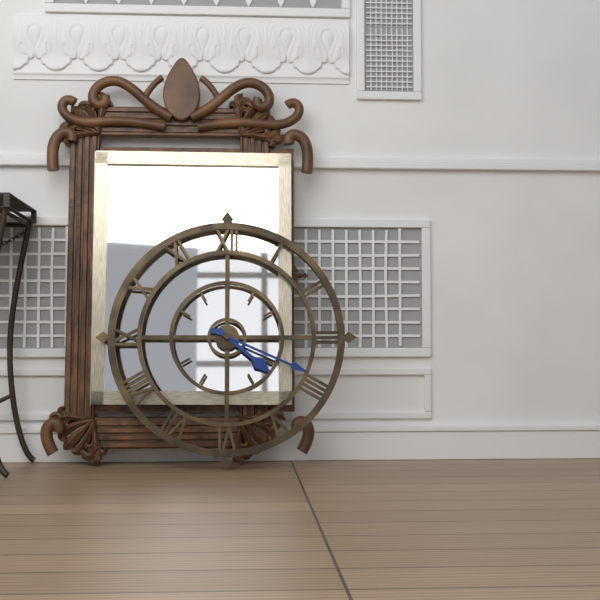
4:19
